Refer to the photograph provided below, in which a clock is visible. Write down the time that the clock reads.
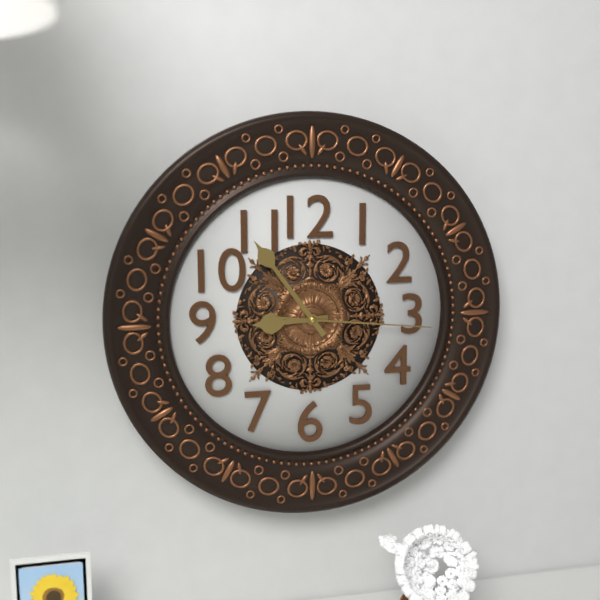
8:54:16
